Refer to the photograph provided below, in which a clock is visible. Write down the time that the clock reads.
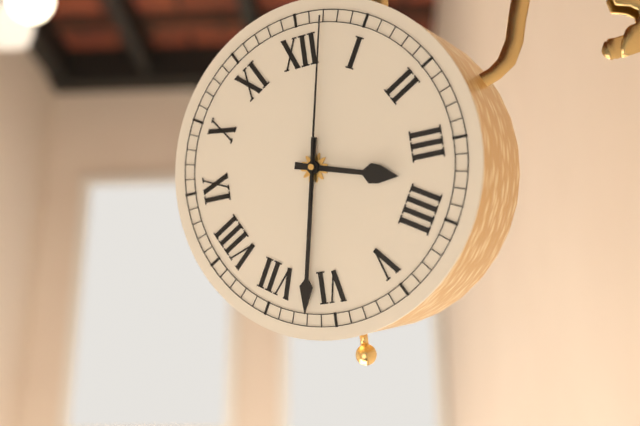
3:32:02
